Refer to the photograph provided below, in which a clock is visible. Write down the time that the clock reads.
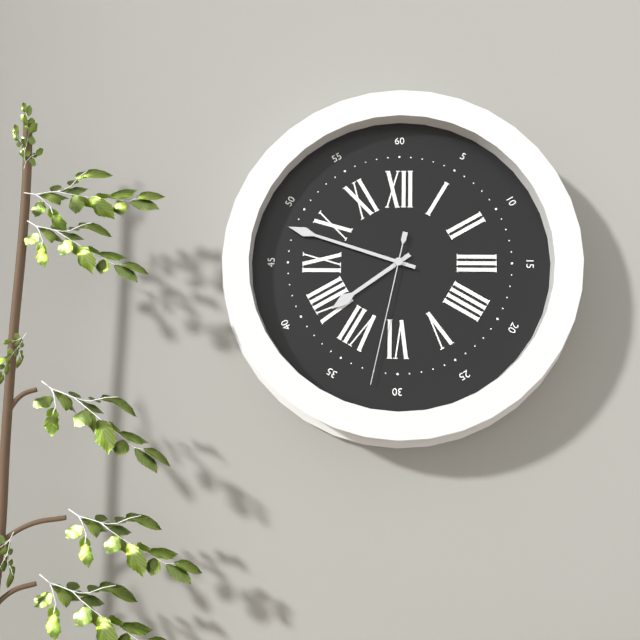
7:48:32
